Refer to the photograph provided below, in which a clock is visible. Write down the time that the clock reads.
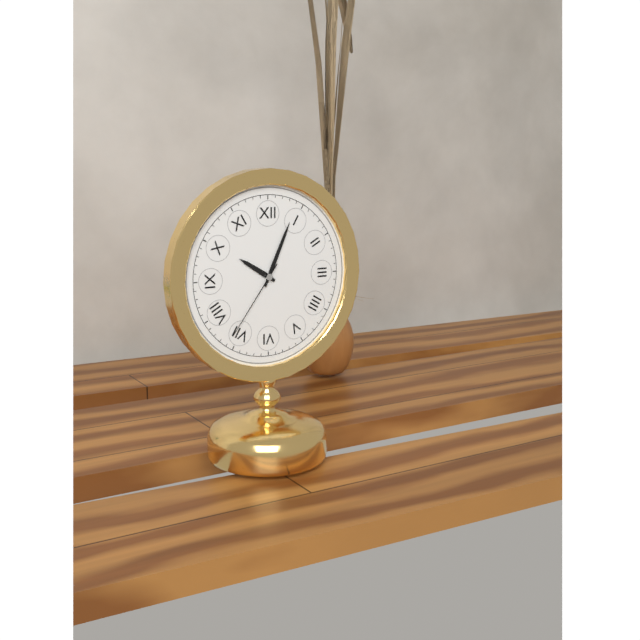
10:04:36
